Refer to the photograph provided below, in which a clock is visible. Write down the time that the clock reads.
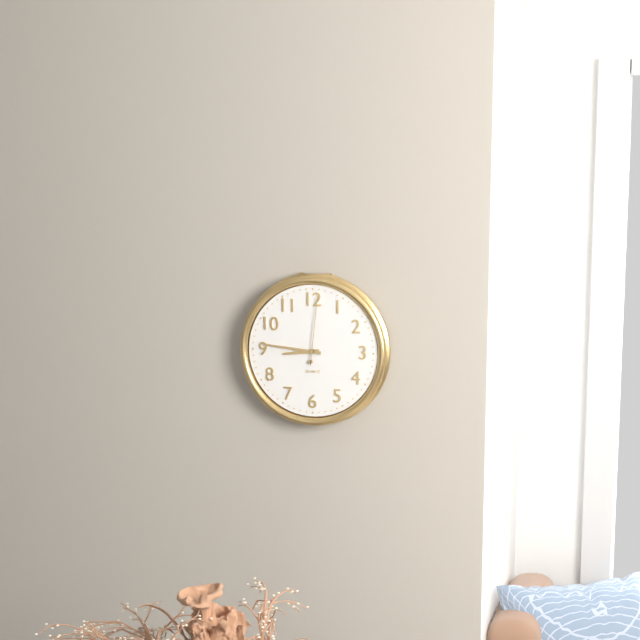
8:46:01
